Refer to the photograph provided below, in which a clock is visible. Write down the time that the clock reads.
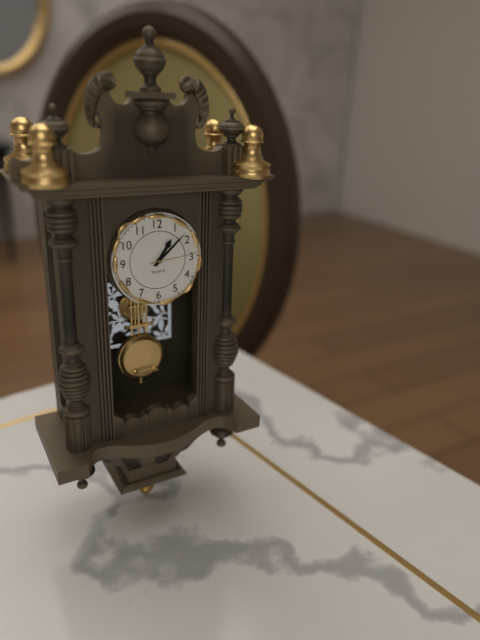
1:08:14
